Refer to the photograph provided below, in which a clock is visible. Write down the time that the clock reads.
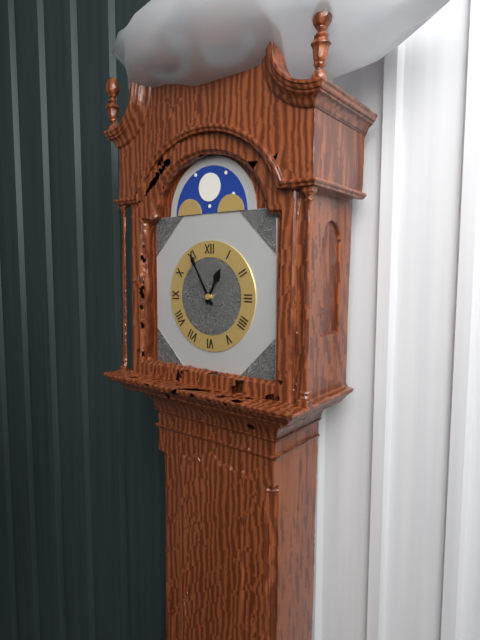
12:55
